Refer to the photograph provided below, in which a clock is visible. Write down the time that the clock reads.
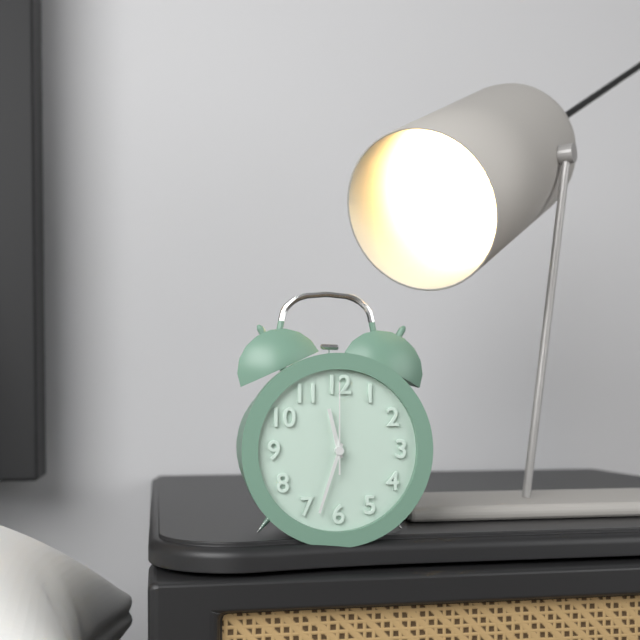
11:33:00
